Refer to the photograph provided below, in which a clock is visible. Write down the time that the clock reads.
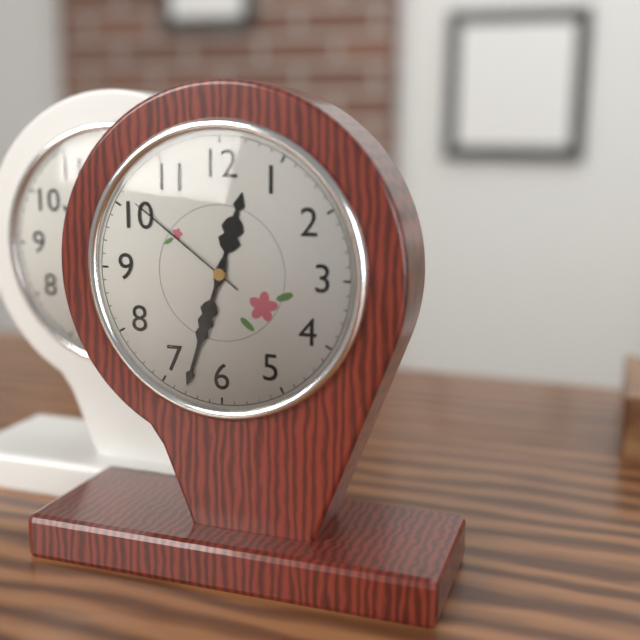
12:33:51
